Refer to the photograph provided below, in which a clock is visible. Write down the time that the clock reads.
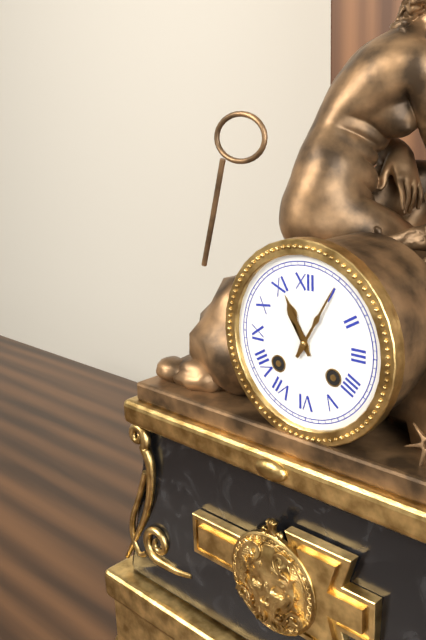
11:05
